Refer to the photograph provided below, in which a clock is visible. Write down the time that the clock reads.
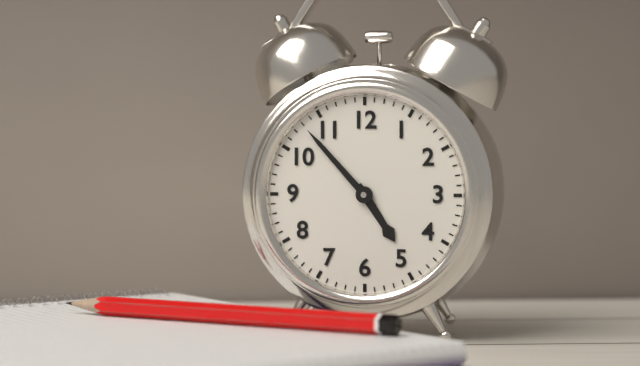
4:53
